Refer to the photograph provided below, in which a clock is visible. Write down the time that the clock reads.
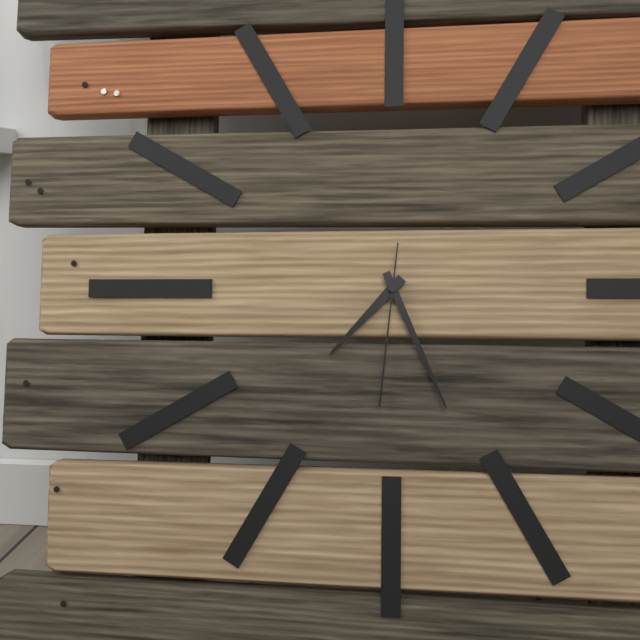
7:26:31
